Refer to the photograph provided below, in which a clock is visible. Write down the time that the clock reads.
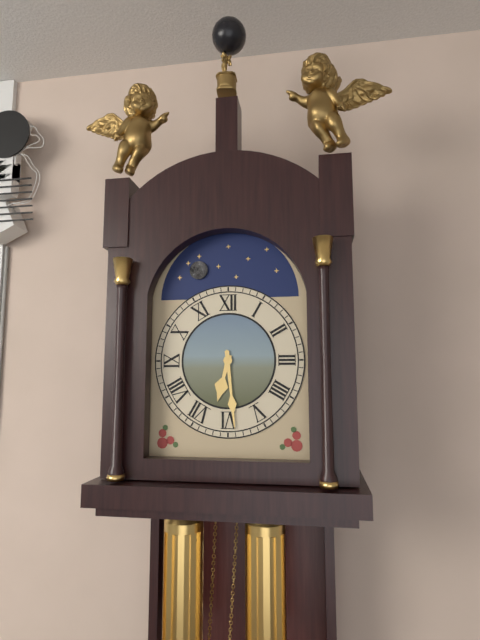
6:29
